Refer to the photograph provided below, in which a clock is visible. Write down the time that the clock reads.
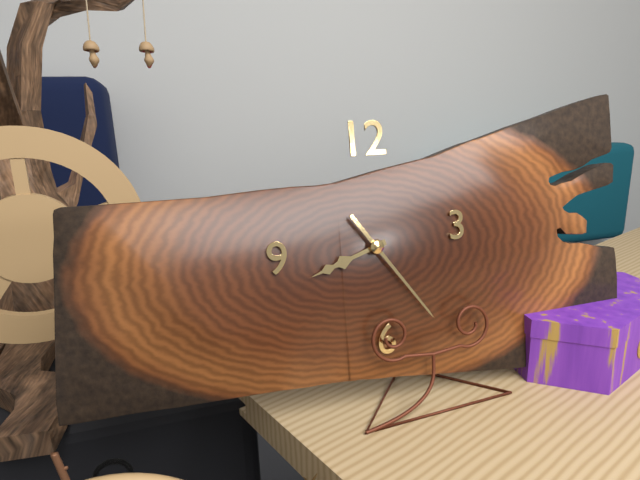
8:24
